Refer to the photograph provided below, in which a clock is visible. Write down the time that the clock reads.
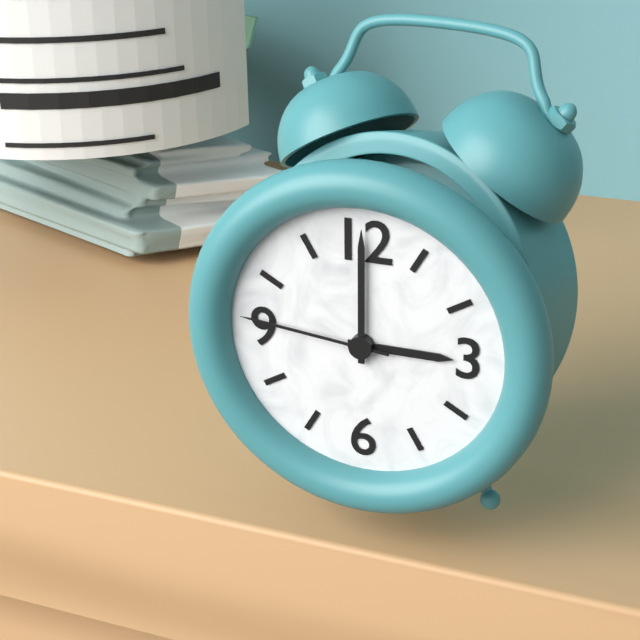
3:00:46
